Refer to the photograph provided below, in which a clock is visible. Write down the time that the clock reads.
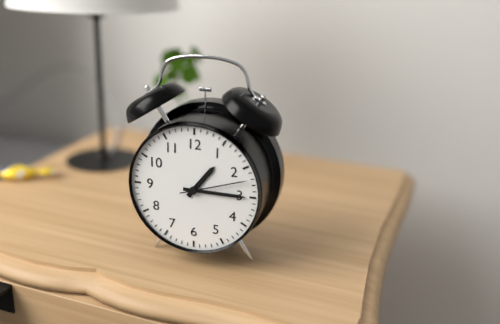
1:15:12
